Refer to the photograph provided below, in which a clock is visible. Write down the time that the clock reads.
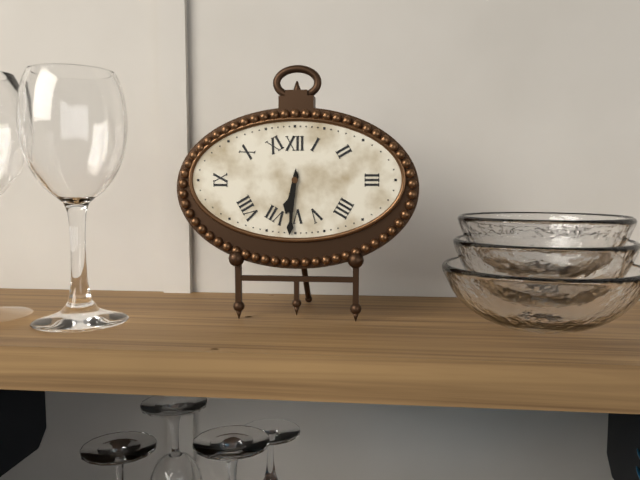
6:31
